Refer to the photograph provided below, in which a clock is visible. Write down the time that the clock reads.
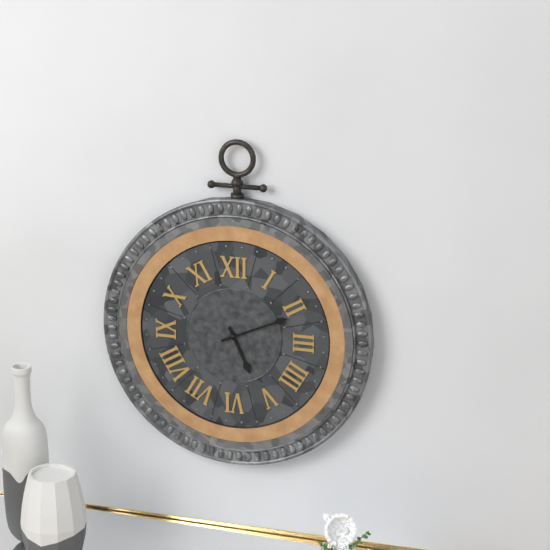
5:11
